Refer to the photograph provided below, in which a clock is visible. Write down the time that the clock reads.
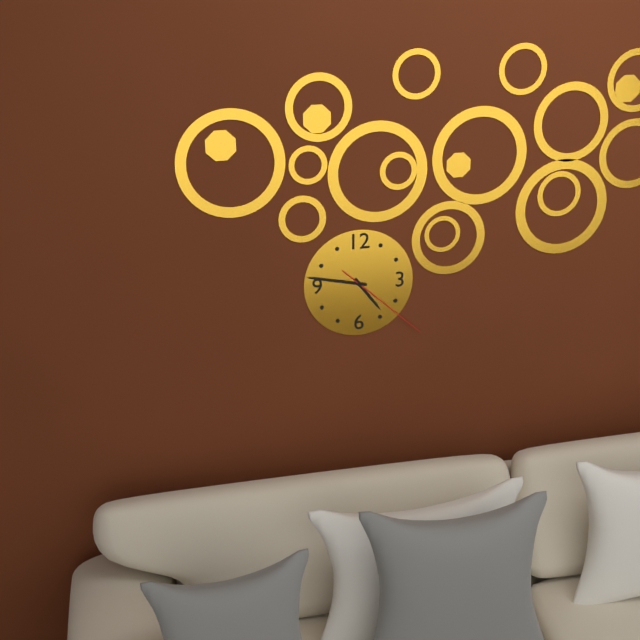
4:47:22
